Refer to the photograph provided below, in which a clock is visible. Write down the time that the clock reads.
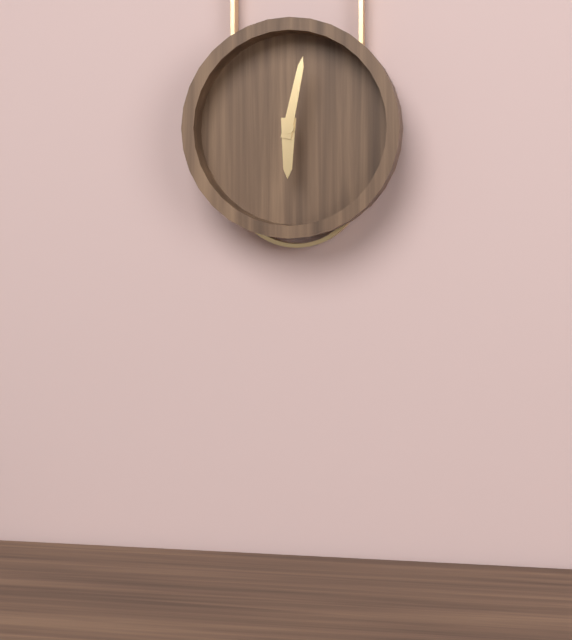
6:02
